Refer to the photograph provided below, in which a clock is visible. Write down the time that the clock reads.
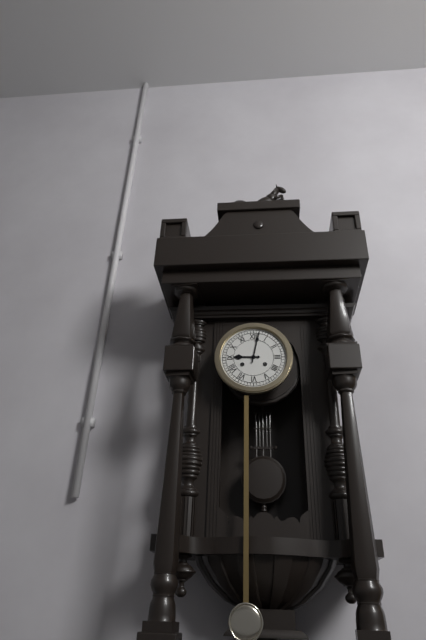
9:02
